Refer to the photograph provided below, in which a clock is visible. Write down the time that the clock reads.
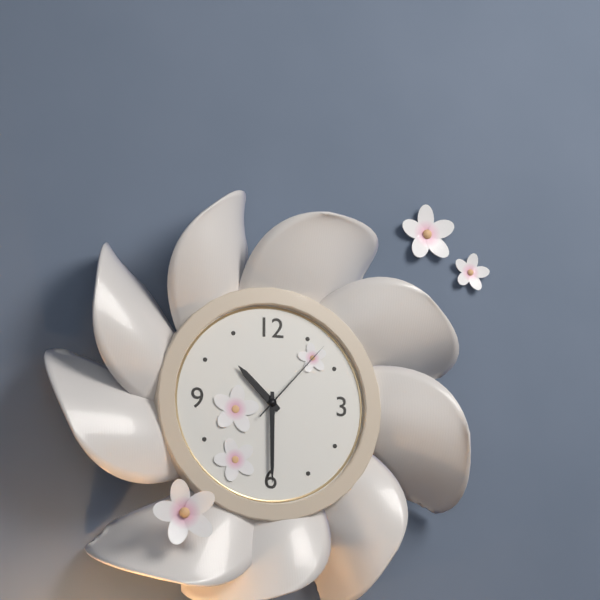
10:30:07
